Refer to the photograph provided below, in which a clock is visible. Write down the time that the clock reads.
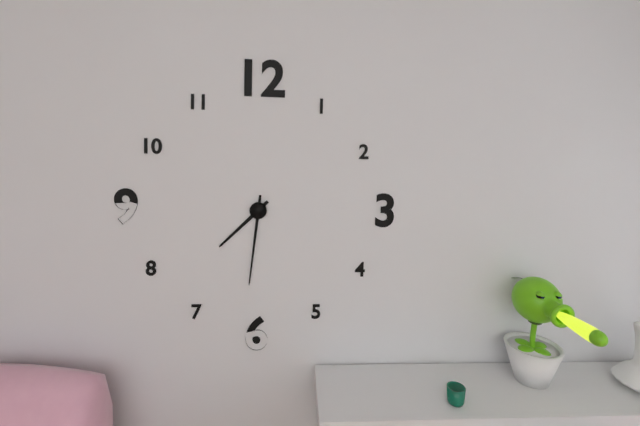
7:31
